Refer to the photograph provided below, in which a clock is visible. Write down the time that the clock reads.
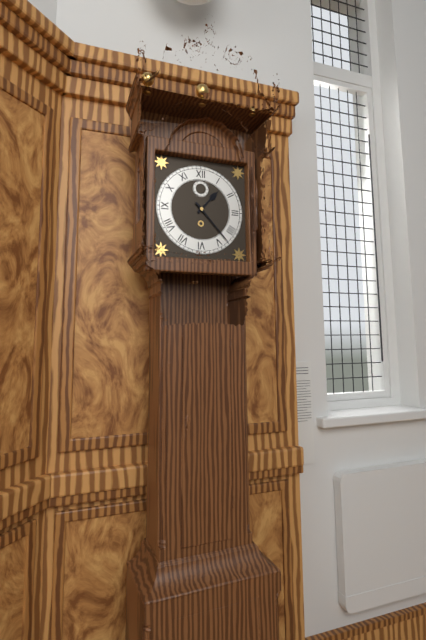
1:23
